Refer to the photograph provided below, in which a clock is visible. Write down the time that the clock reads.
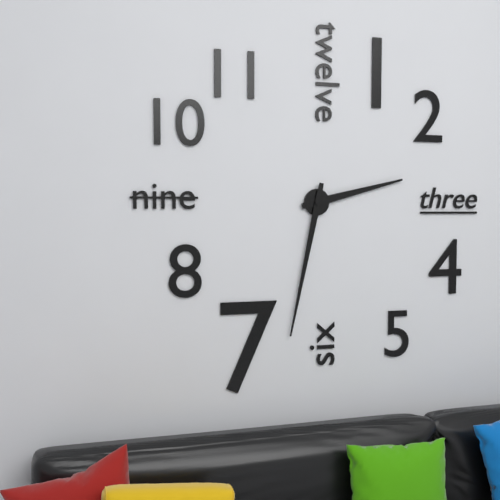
2:32
